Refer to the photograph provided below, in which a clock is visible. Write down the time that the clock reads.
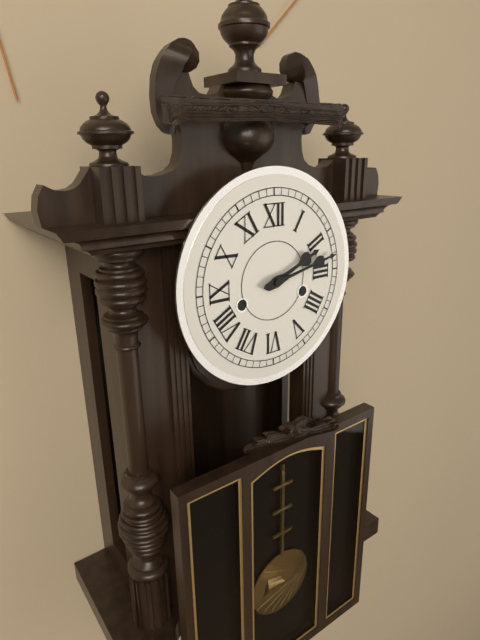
2:13
